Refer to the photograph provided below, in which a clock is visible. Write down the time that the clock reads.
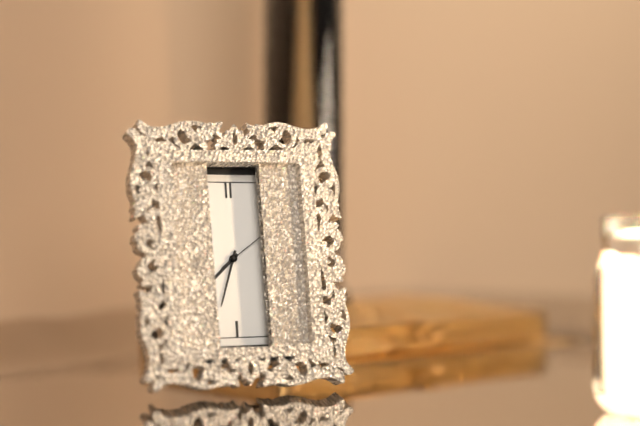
7:33
